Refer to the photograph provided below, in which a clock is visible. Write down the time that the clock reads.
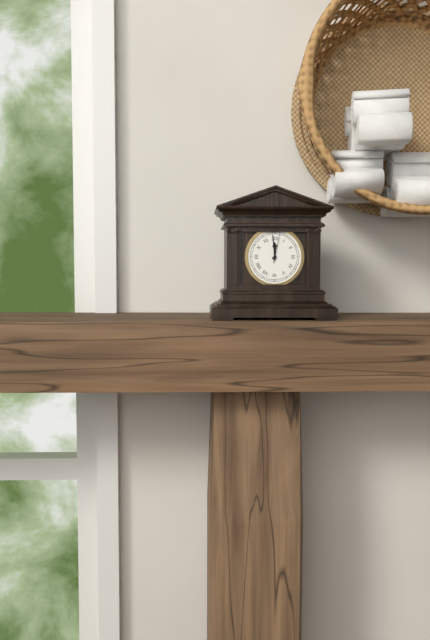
11:59
